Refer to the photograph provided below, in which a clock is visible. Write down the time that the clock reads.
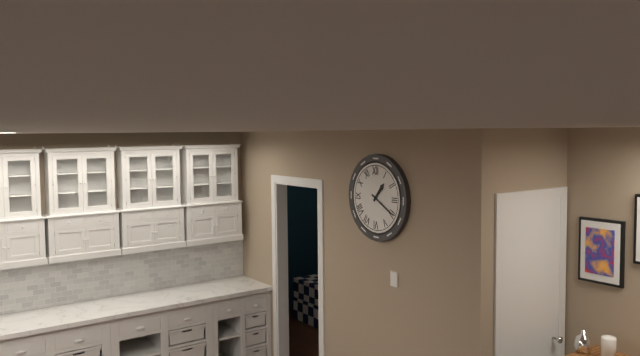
1:20
